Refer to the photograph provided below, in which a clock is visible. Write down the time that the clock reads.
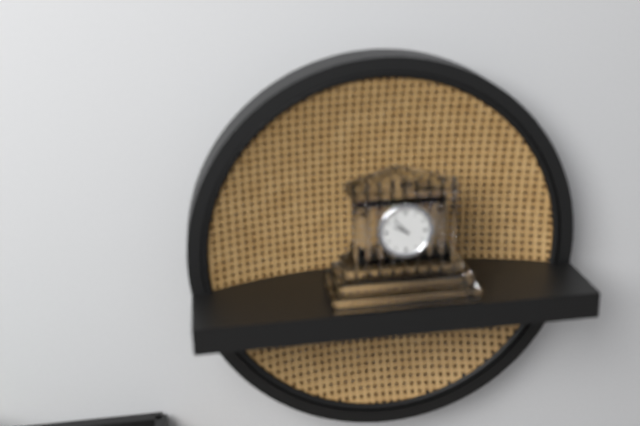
9:53
